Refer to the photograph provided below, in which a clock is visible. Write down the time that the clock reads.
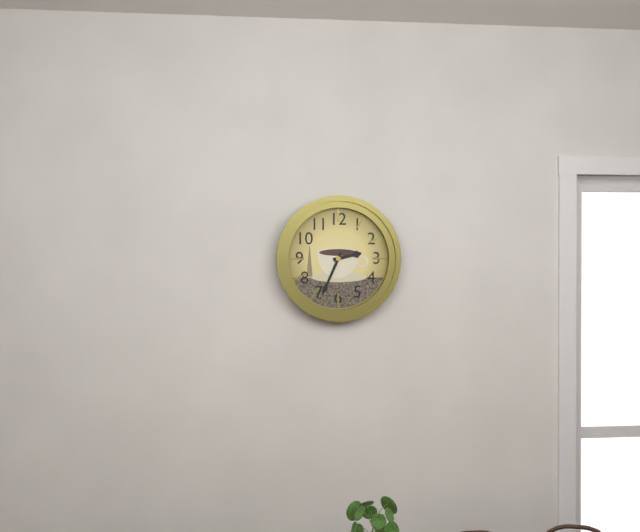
2:34
